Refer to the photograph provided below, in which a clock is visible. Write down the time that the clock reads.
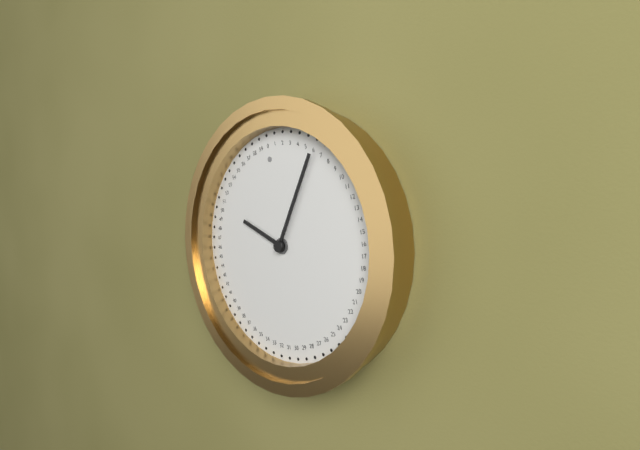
10:06
